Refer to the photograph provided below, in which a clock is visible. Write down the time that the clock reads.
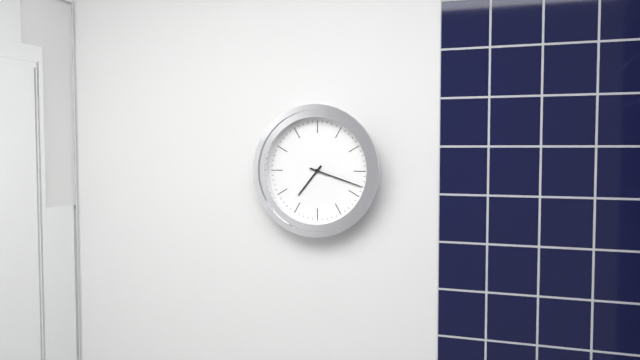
7:18
